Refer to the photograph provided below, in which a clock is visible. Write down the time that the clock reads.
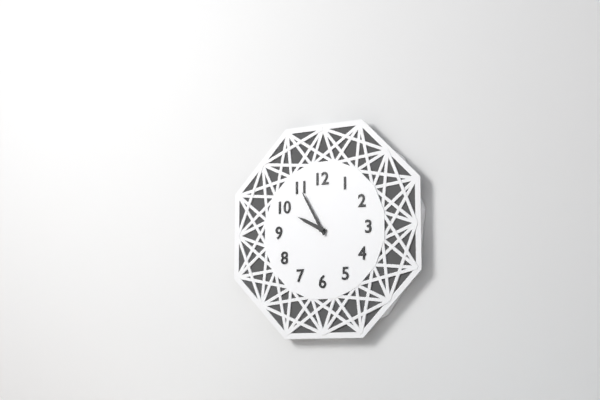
9:55
